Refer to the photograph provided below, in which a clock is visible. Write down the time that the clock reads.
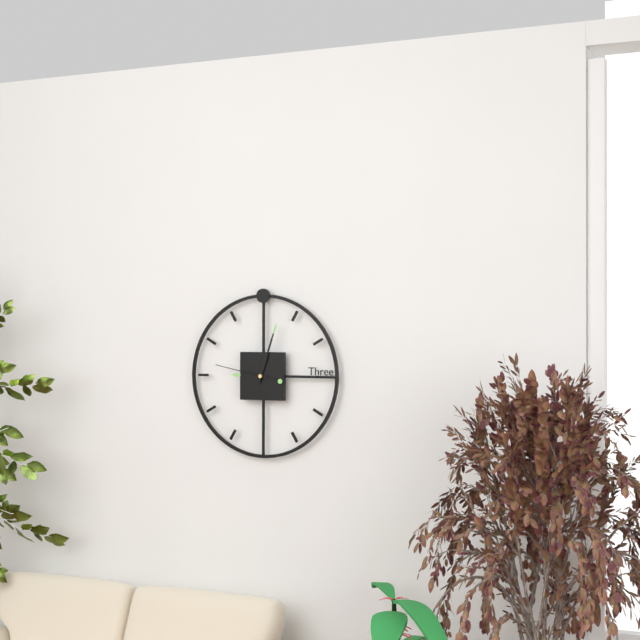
9:03:47
